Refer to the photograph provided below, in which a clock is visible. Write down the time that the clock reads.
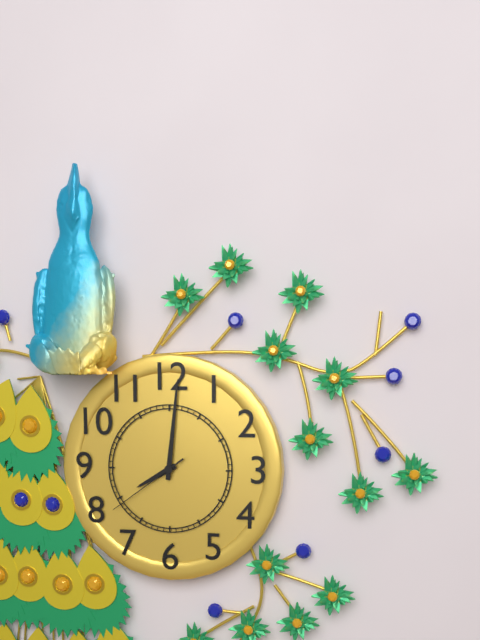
8:01:39
